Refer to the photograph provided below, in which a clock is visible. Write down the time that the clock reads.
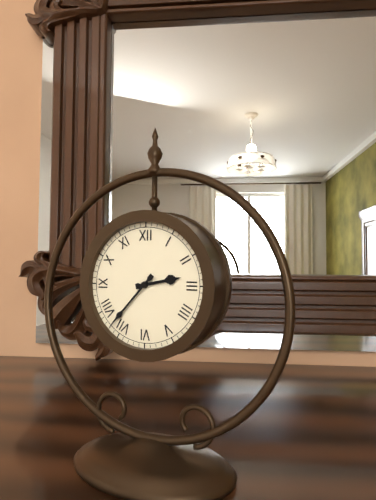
2:37
